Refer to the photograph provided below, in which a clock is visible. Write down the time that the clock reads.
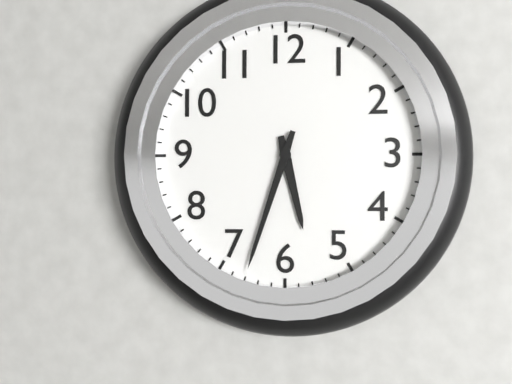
5:33
